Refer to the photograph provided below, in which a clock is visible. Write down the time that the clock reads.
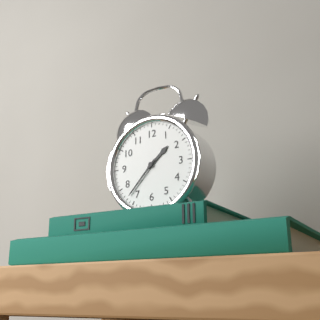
1:37
